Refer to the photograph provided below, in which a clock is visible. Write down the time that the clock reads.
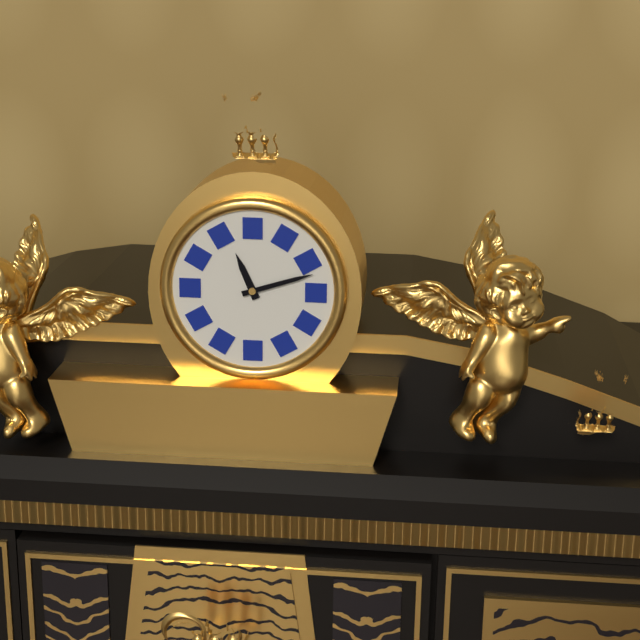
11:12
